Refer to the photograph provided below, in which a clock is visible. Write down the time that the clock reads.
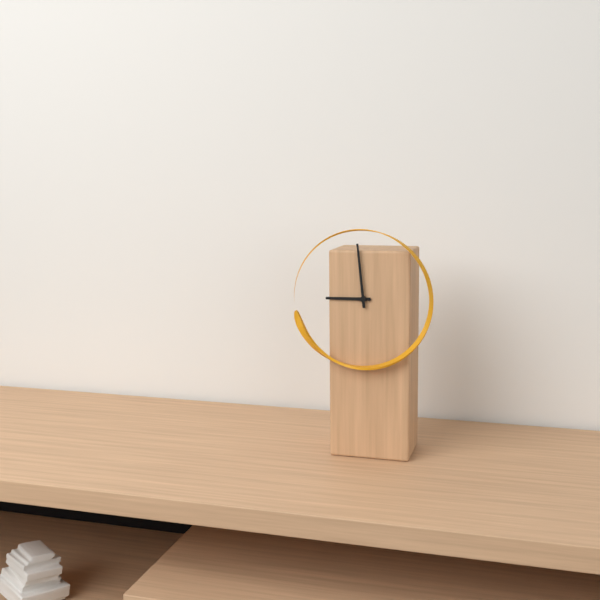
8:59
